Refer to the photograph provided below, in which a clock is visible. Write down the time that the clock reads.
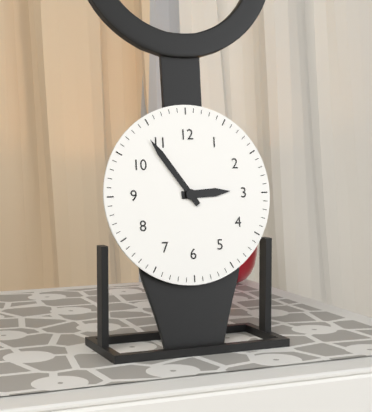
2:54
